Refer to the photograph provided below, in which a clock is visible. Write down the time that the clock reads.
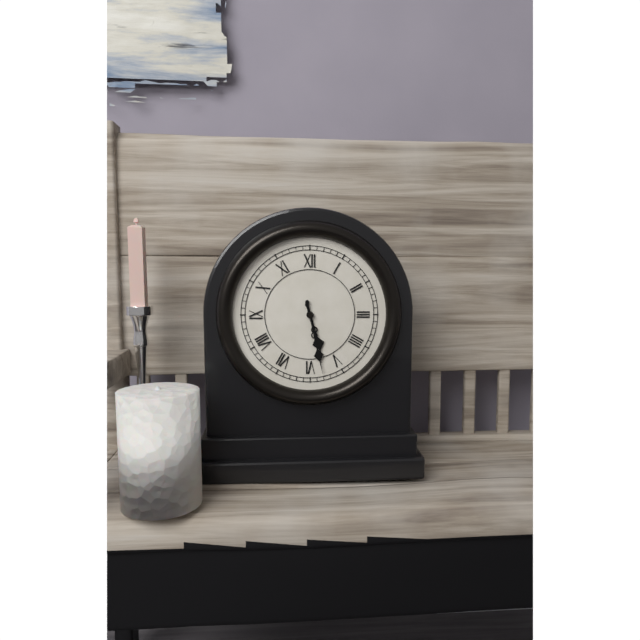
5:28
